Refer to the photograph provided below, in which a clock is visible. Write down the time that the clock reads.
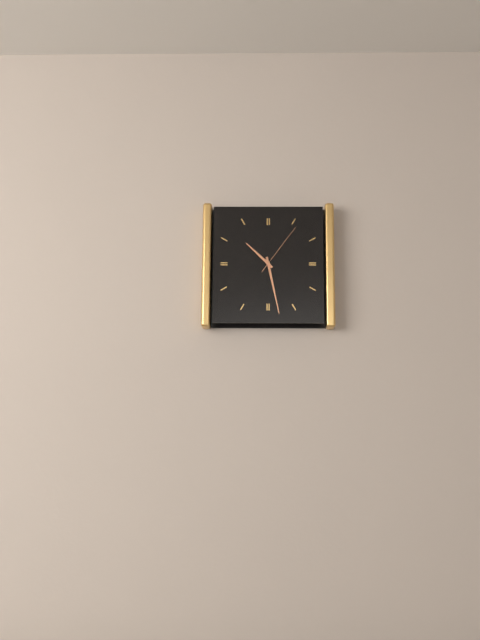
10:28:06
